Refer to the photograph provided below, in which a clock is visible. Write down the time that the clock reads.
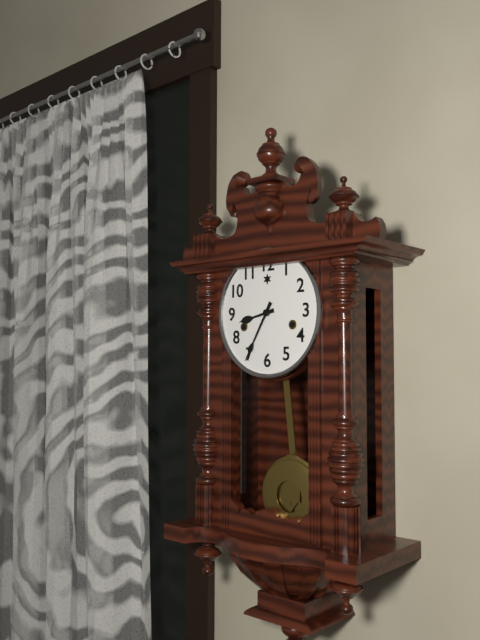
8:35
